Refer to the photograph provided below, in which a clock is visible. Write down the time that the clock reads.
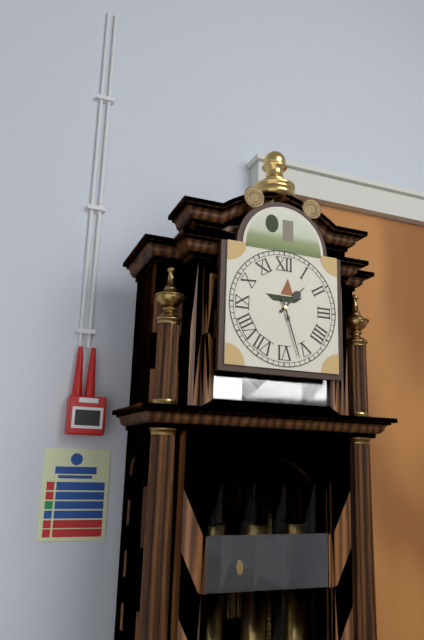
1:27
